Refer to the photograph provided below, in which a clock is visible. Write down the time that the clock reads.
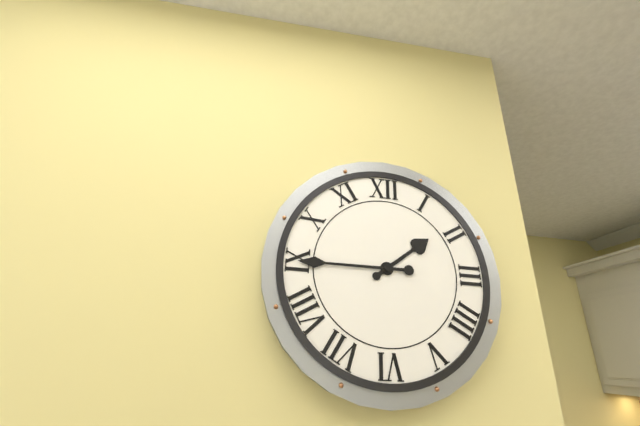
1:45
